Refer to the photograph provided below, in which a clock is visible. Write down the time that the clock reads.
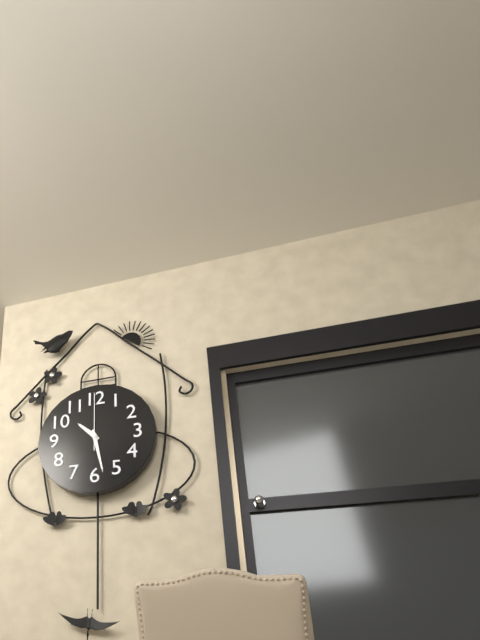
10:28:00
